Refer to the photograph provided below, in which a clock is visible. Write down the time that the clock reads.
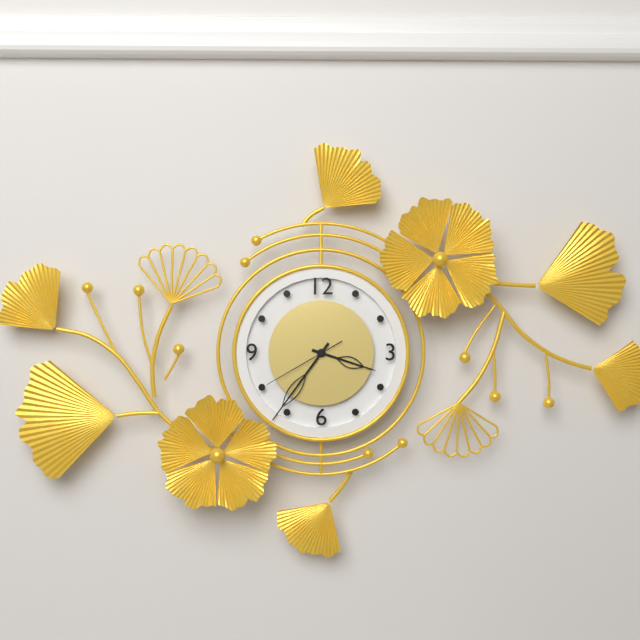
3:36:40
